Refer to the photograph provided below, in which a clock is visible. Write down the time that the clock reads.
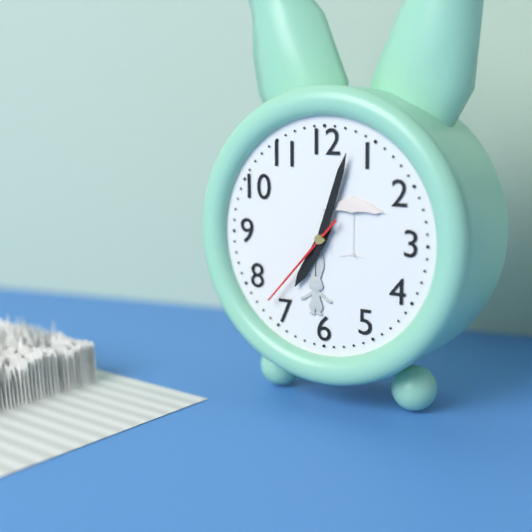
7:03:37
